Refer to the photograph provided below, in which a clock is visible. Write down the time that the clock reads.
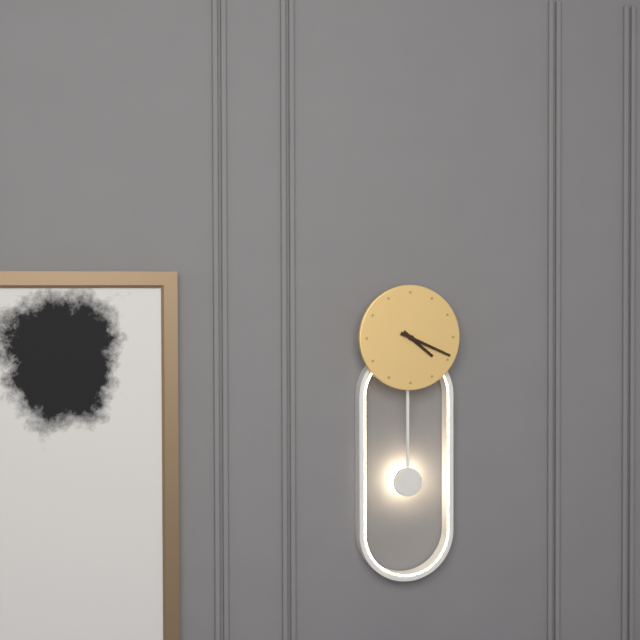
4:19
